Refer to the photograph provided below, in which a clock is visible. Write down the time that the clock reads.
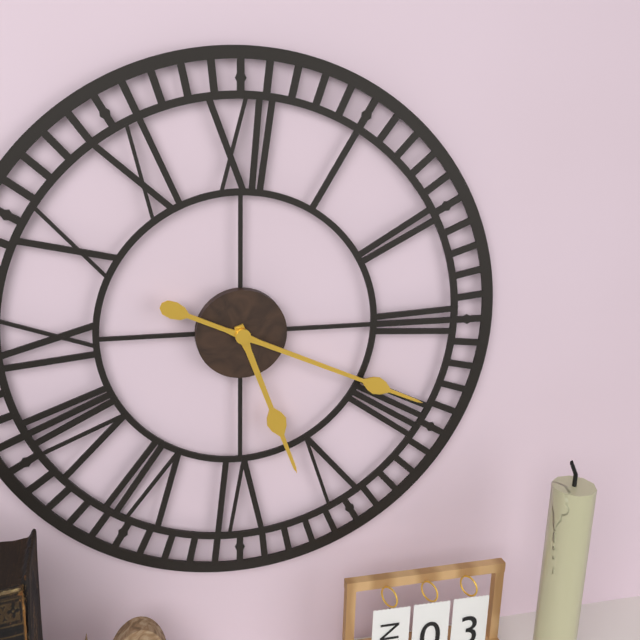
5:19
